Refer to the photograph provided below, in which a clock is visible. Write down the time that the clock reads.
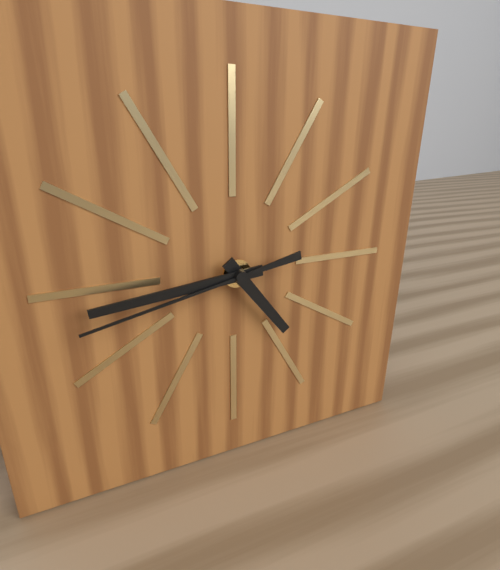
4:44:43
